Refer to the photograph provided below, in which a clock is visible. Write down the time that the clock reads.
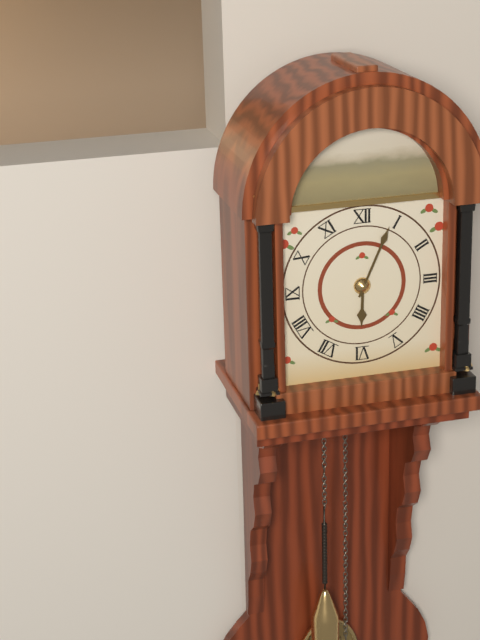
6:04
